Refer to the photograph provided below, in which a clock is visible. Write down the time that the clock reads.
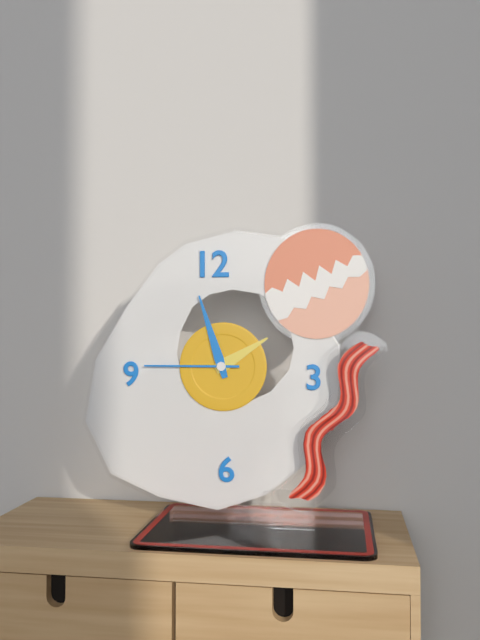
1:57:45
